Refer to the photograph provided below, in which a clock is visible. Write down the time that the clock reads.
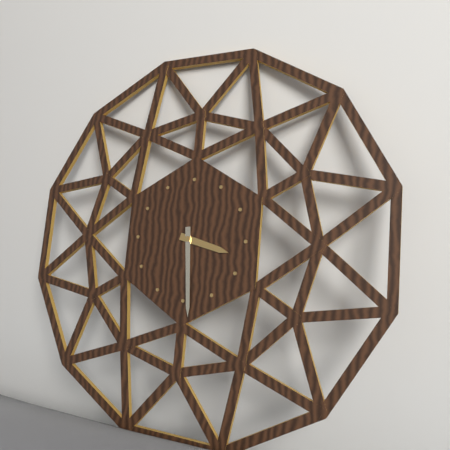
3:29
